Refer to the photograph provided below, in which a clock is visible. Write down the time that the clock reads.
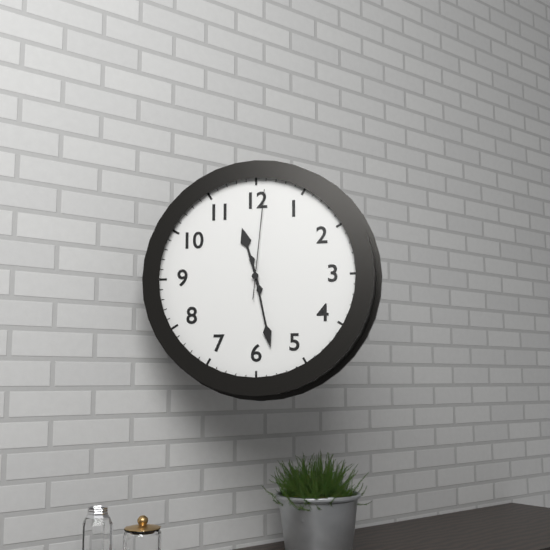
11:28:01
